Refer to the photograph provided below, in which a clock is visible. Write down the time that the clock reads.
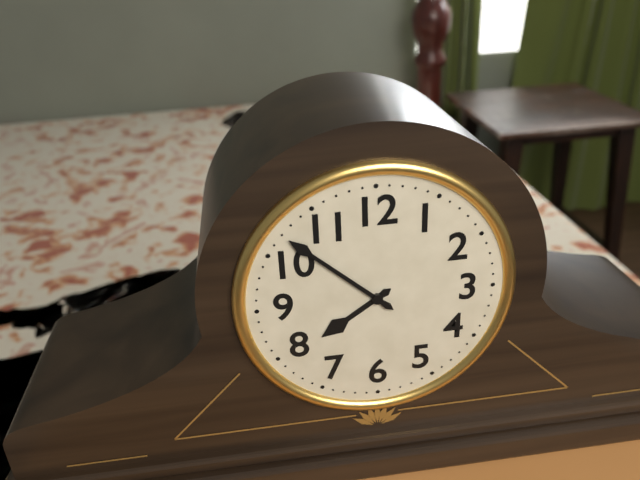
7:52
